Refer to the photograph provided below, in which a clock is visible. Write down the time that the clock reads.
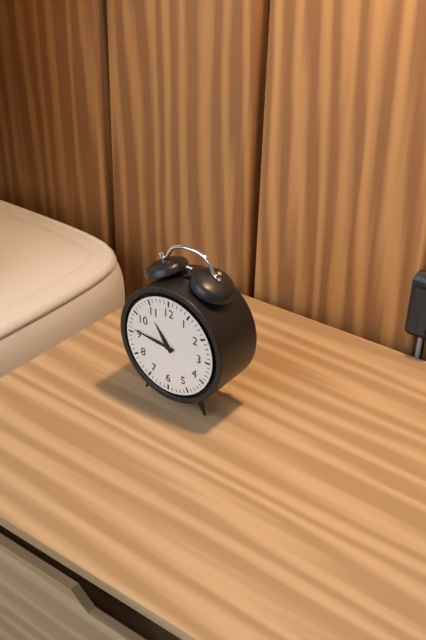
10:46
